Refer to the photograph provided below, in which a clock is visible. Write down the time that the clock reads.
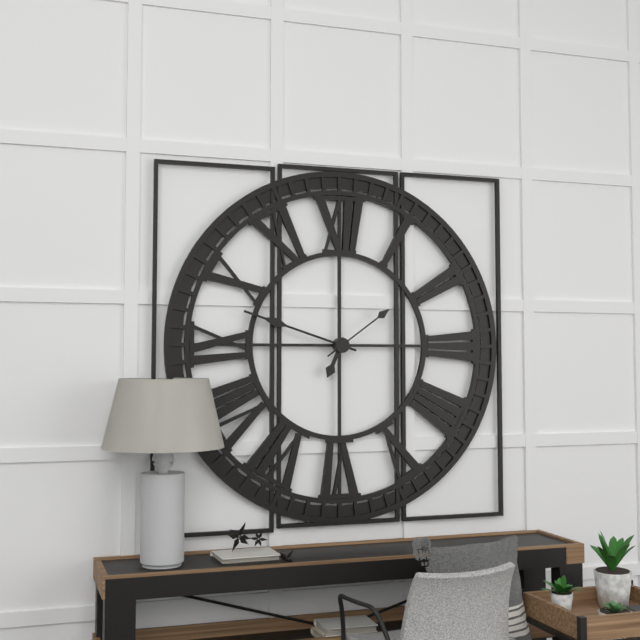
6:48:09
